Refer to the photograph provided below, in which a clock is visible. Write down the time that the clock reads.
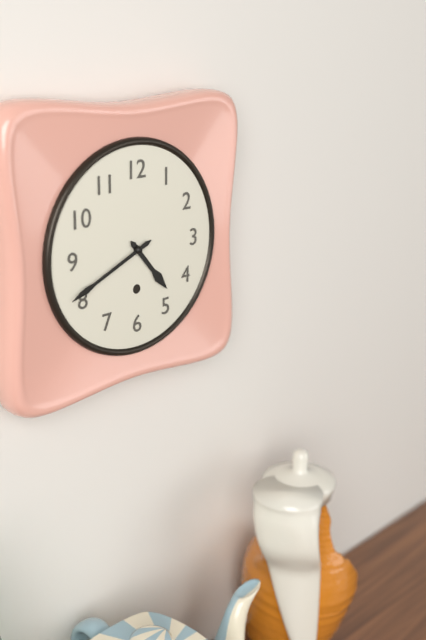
4:41
